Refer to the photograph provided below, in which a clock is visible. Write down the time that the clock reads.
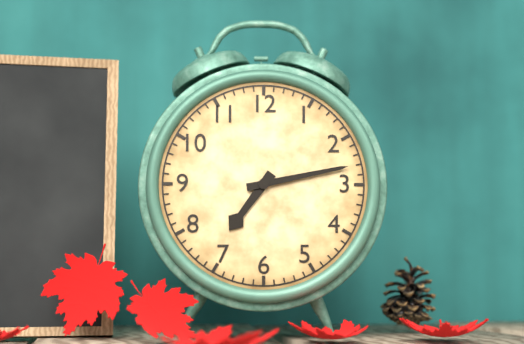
7:13
